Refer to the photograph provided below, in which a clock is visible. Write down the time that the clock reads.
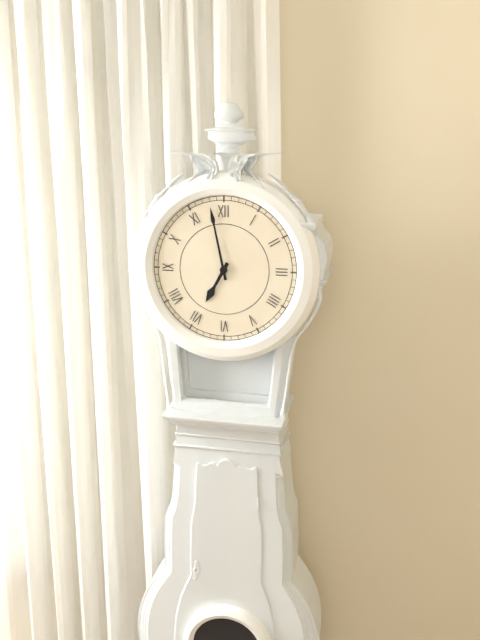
6:58
